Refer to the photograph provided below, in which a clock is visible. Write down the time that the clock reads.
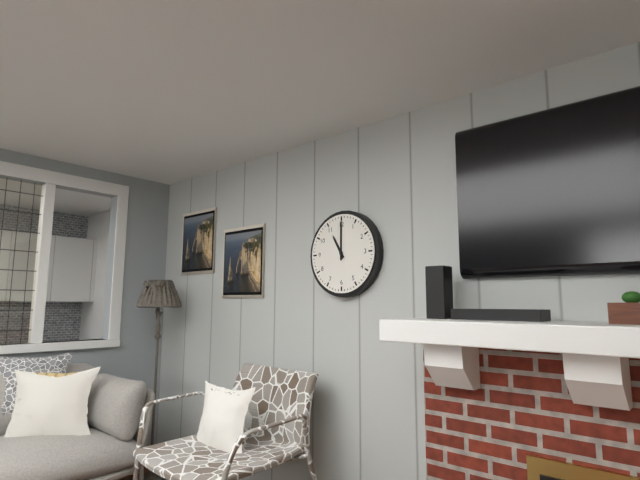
11:00
